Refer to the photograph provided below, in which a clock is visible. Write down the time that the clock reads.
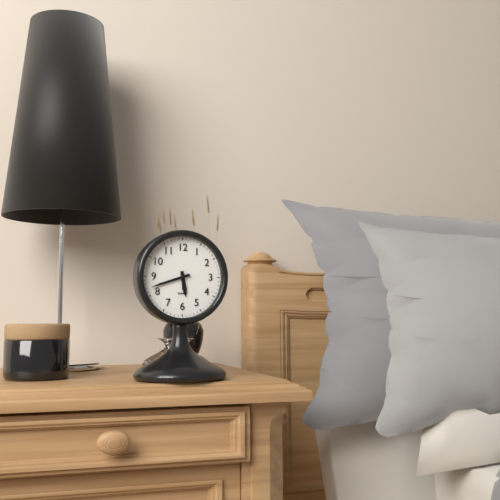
5:42
